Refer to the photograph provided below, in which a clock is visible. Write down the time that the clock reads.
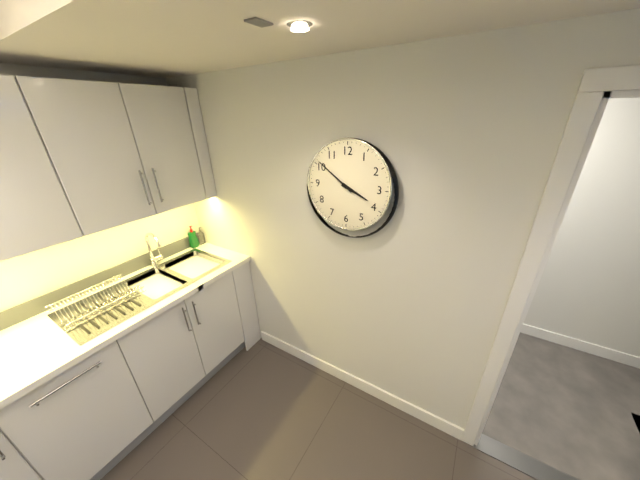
3:51
